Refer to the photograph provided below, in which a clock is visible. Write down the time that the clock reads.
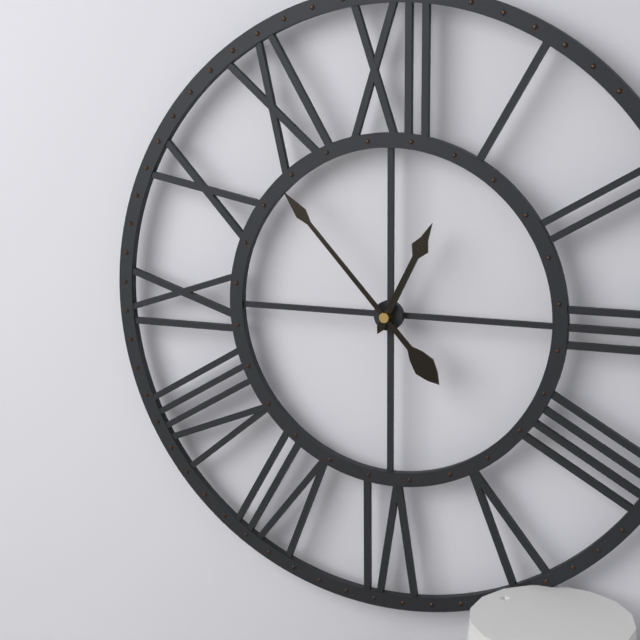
12:53
